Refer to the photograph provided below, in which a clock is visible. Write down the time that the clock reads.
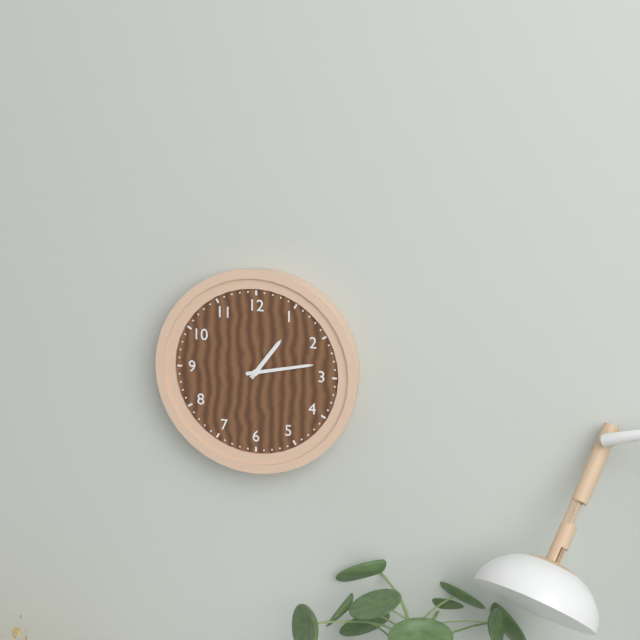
1:13
